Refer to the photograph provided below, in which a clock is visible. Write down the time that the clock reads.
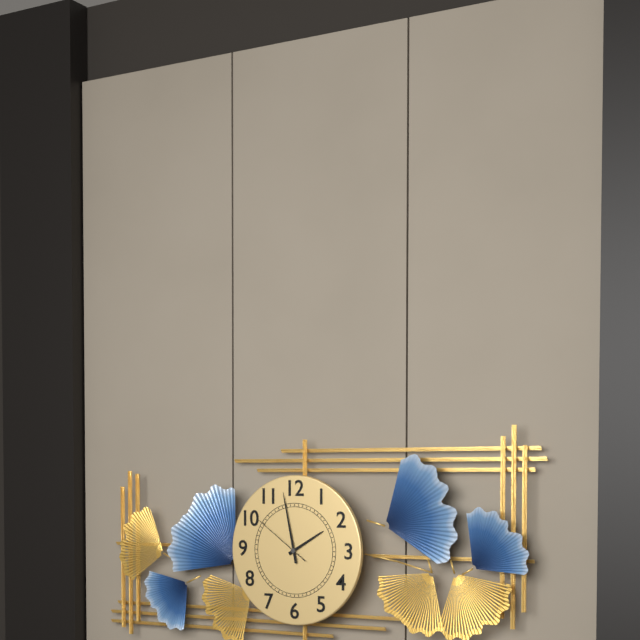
1:58:51
